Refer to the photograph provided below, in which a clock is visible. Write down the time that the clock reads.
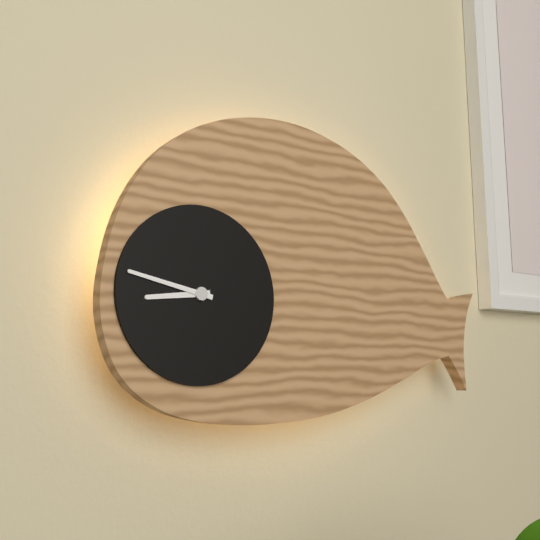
8:47
